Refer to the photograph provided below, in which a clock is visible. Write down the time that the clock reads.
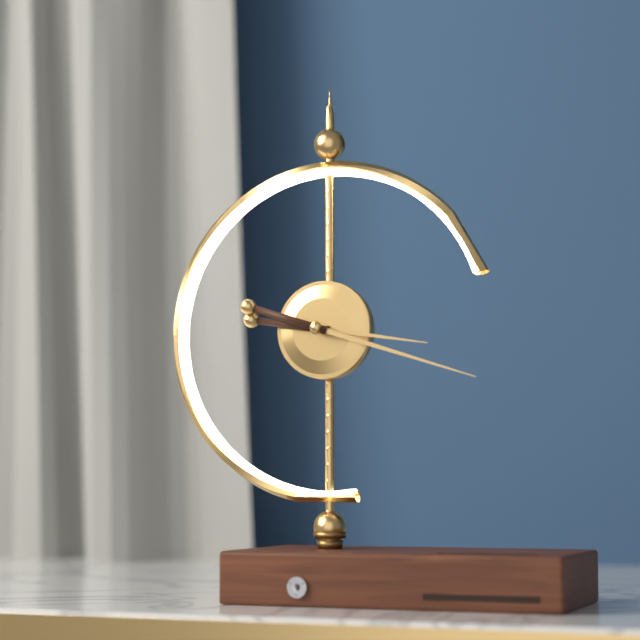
3:18
